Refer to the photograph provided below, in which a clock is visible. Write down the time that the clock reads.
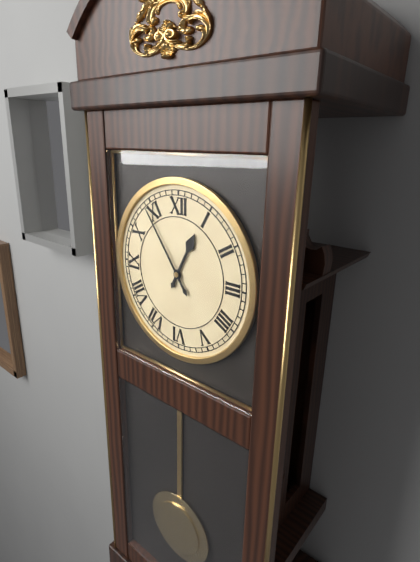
12:54
